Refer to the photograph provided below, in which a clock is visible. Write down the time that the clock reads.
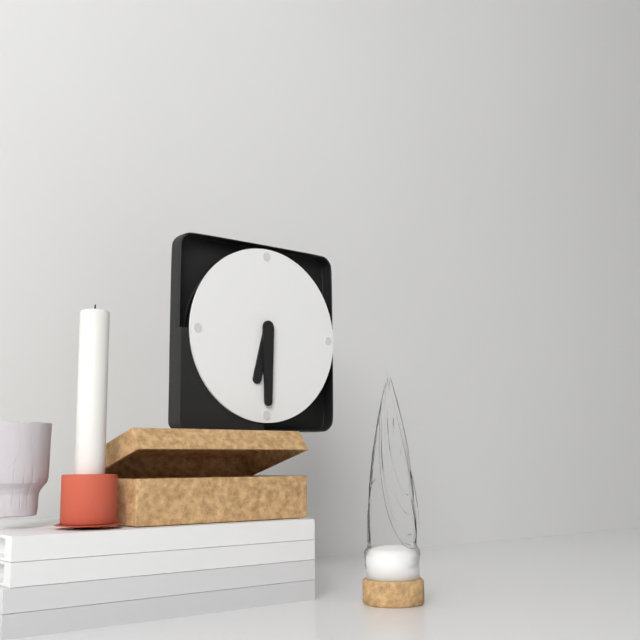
6:30
